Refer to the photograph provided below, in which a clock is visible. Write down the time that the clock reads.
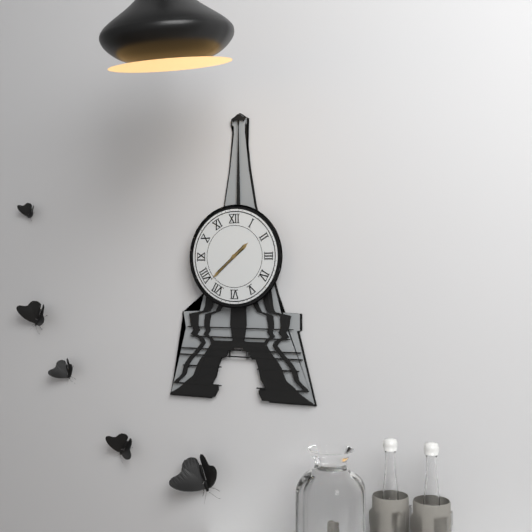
1:38
